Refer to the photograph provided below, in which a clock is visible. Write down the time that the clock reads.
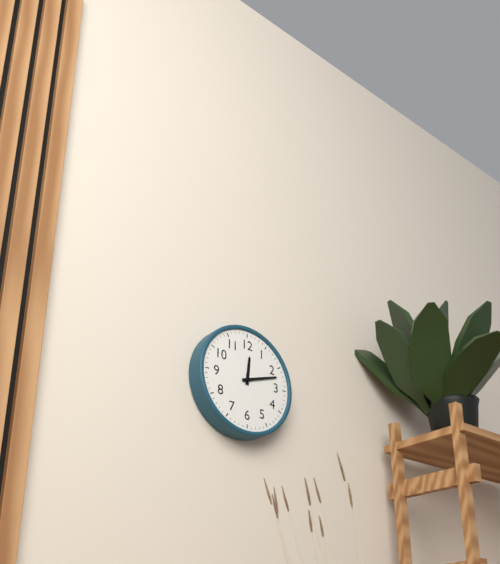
12:12
